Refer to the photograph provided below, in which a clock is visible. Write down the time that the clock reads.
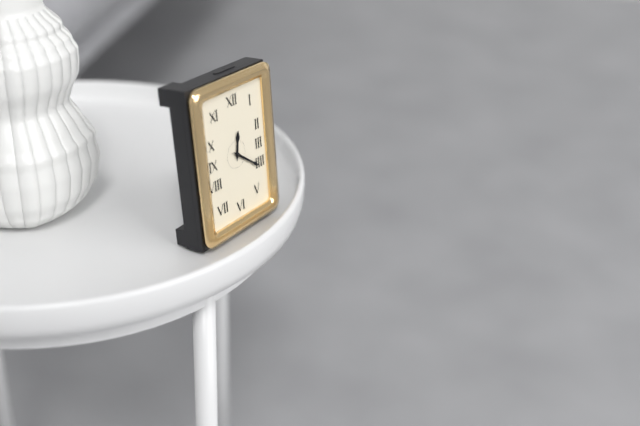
12:21
